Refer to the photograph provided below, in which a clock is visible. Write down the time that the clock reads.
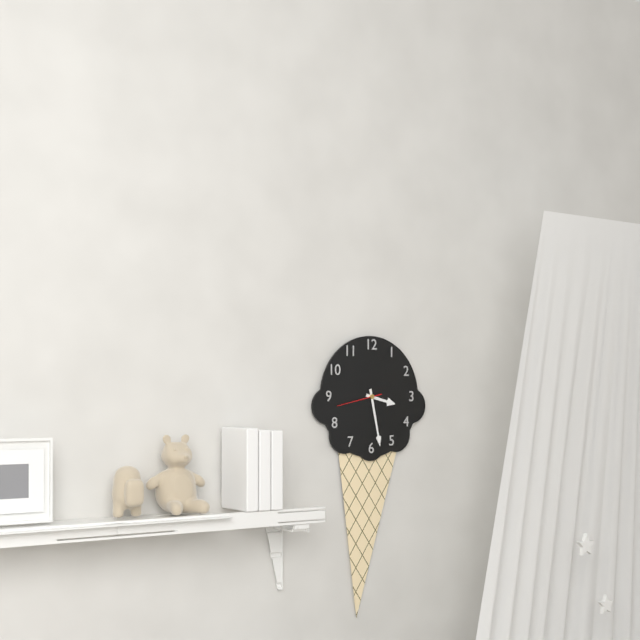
3:28
